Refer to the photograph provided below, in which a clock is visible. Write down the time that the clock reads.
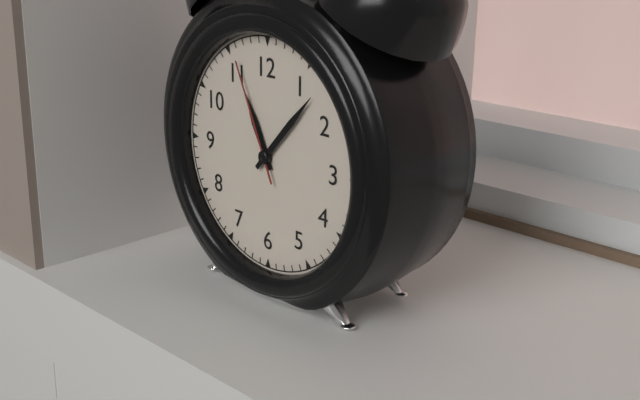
11:07:56
